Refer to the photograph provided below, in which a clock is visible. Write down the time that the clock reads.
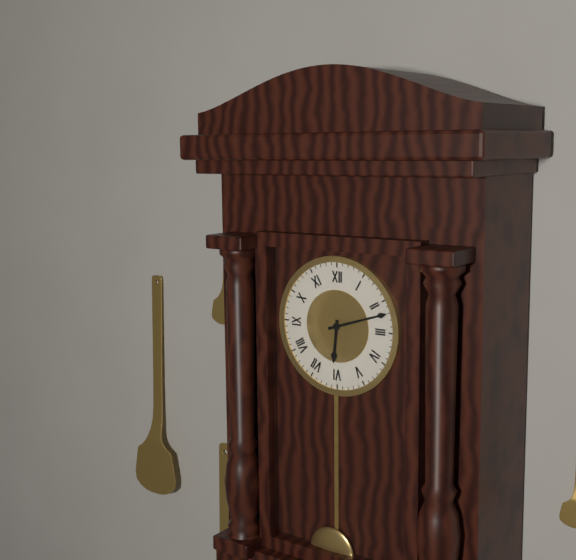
6:12
